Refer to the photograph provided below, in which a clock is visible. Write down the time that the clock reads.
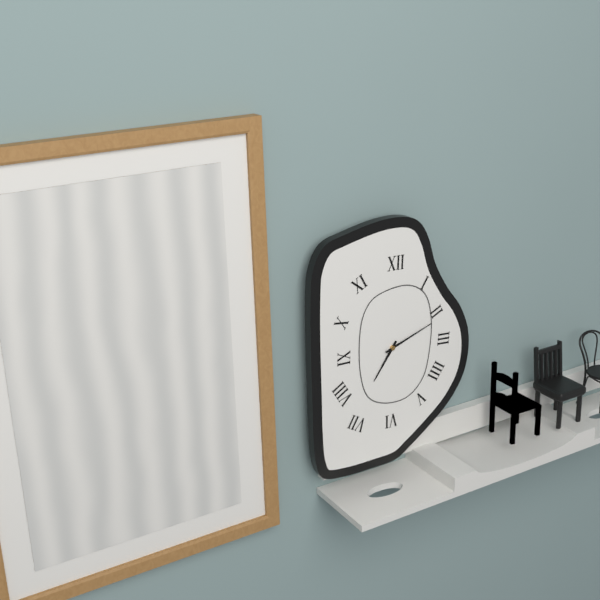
7:12
